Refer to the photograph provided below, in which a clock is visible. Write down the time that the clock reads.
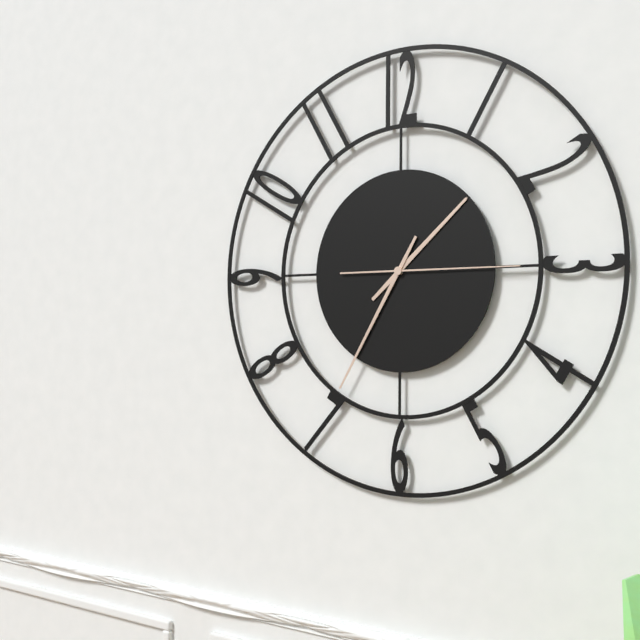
1:35:15
